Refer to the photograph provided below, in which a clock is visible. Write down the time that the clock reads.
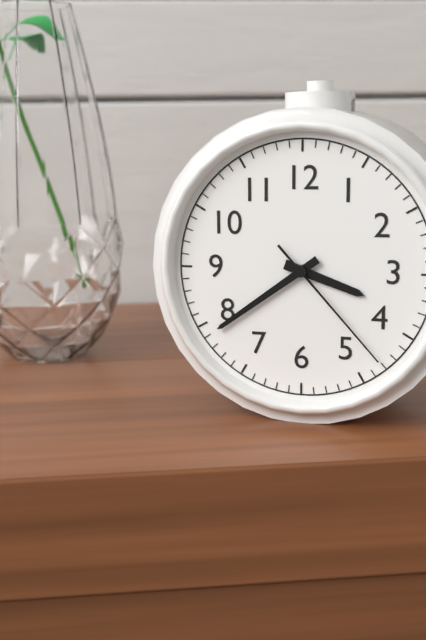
3:39:23
